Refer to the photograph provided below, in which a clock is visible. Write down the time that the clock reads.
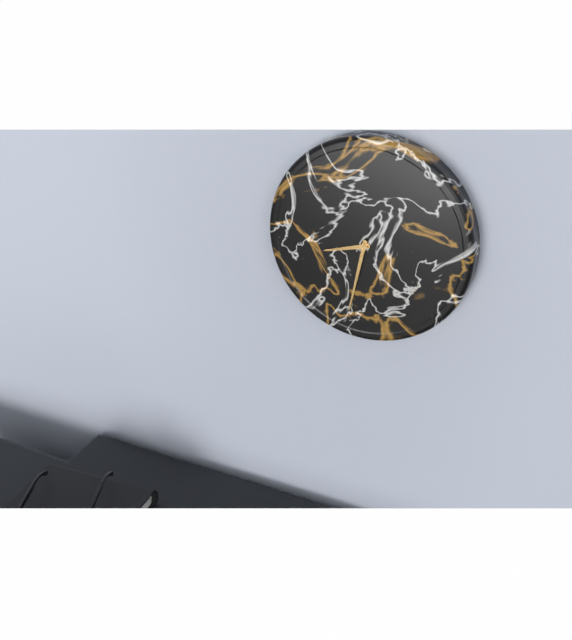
8:32
